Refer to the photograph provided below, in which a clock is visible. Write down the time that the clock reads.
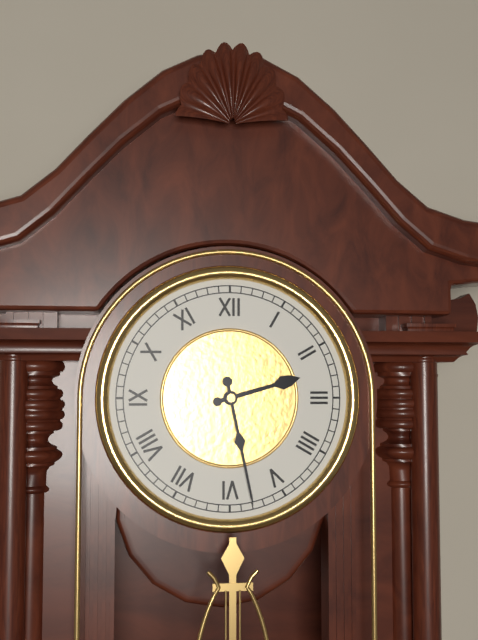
2:28
